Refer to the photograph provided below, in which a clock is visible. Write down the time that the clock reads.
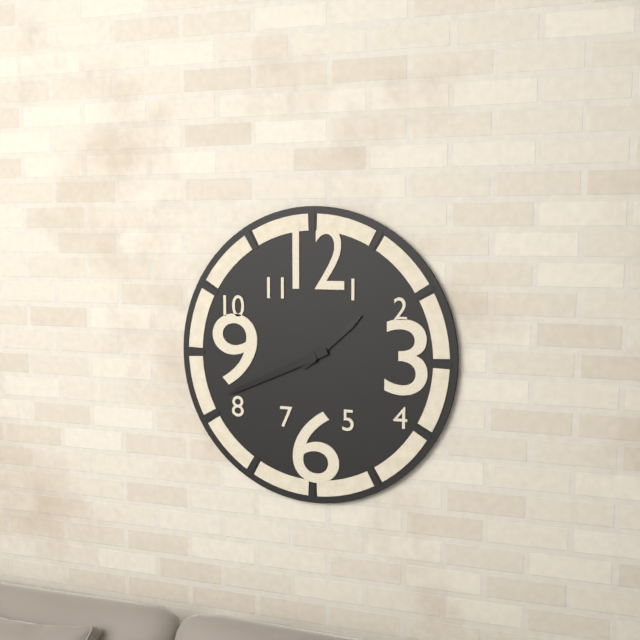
1:41
